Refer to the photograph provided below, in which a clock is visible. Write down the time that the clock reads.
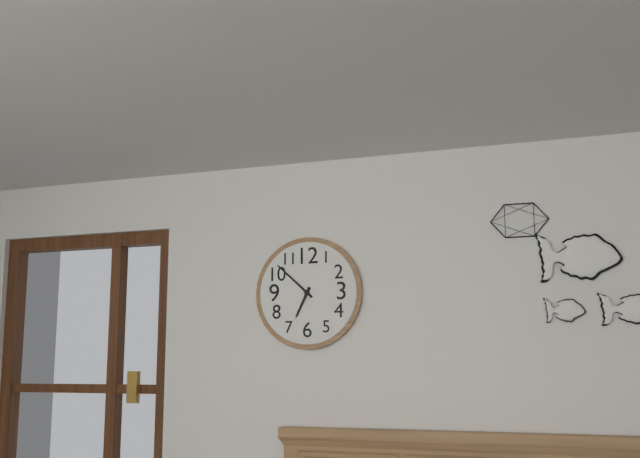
6:52
